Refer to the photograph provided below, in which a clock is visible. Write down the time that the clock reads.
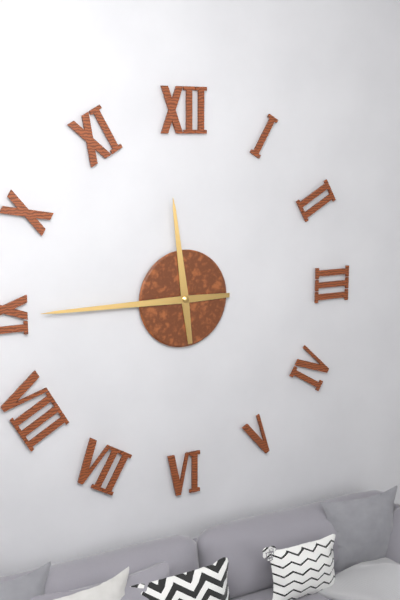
11:45
